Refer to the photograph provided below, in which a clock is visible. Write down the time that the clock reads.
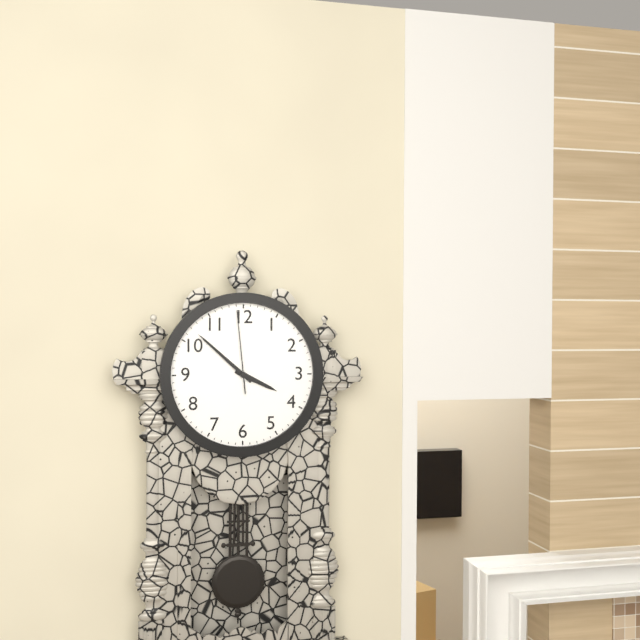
3:52:59
